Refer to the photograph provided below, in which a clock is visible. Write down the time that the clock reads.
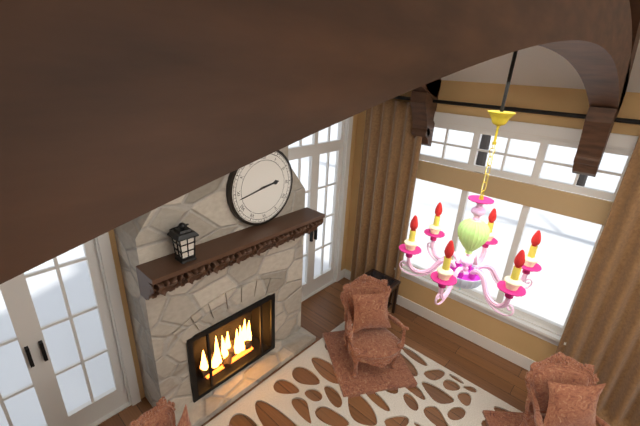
2:43
